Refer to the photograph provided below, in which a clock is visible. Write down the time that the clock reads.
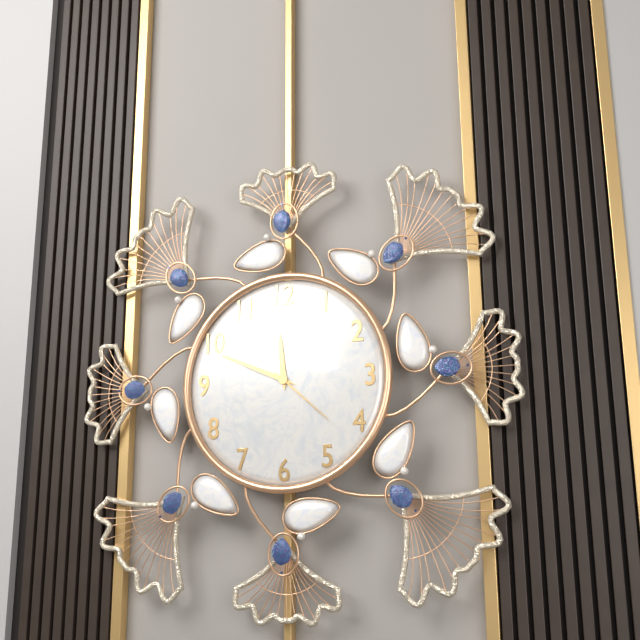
11:49:22
